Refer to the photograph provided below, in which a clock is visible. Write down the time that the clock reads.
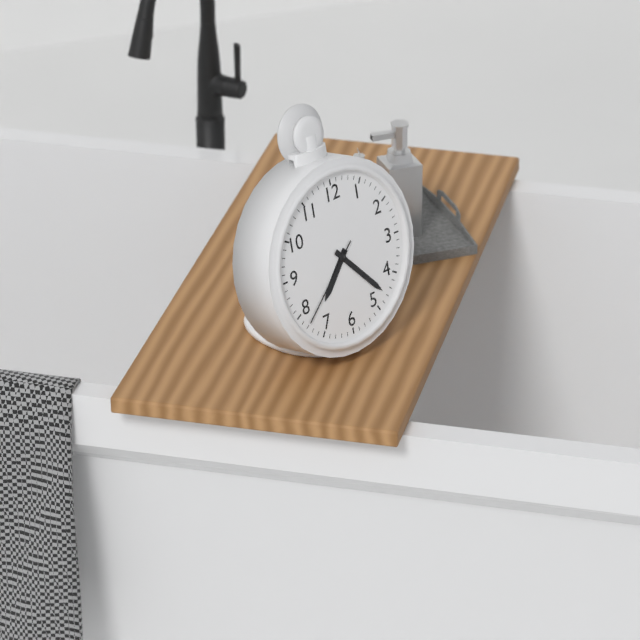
7:23:38
